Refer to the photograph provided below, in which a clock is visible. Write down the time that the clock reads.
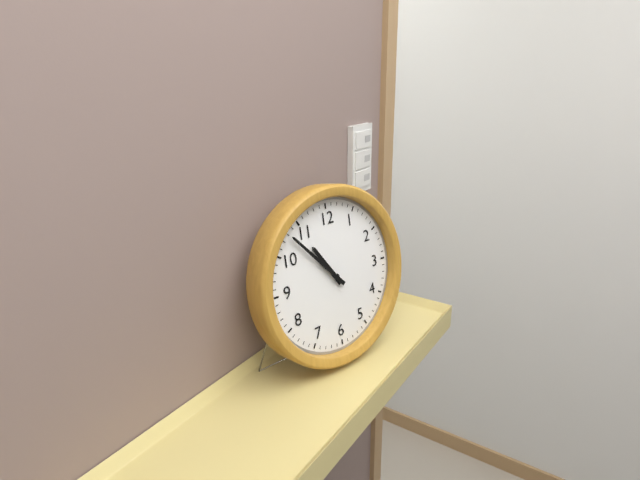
10:53
